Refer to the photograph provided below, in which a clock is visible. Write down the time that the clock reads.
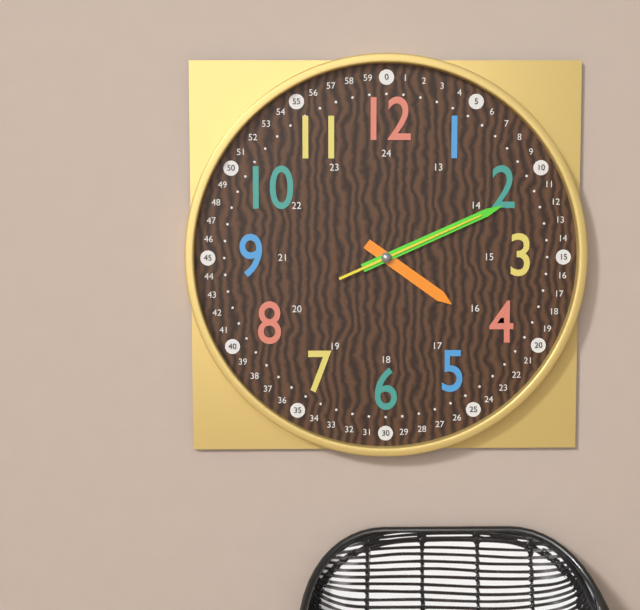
4:11:11
